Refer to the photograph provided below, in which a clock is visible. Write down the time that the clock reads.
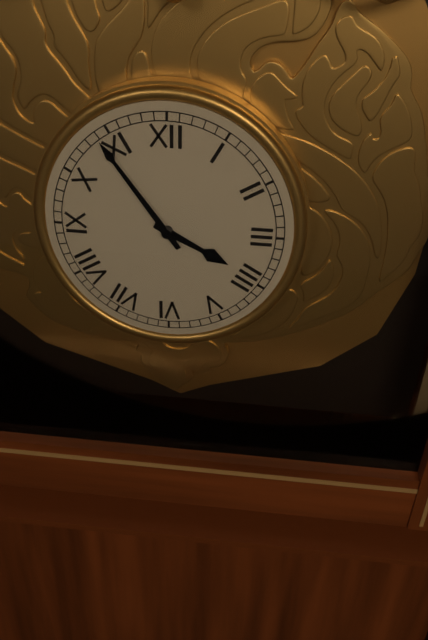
3:54
